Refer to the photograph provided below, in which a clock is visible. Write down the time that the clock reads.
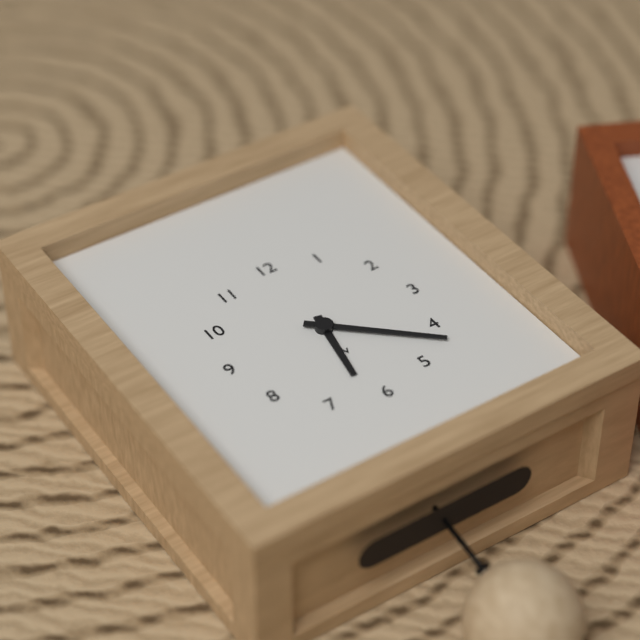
6:22
